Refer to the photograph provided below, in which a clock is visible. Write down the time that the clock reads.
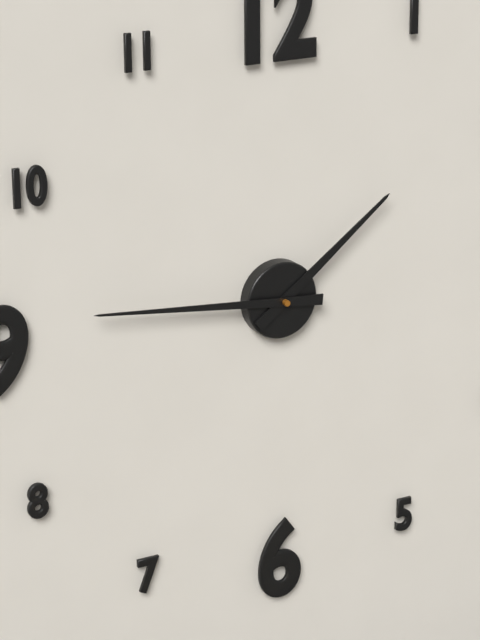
1:46
